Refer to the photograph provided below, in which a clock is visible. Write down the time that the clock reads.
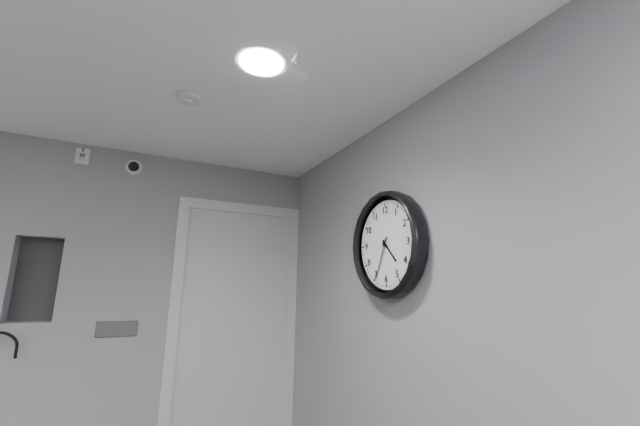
4:34
